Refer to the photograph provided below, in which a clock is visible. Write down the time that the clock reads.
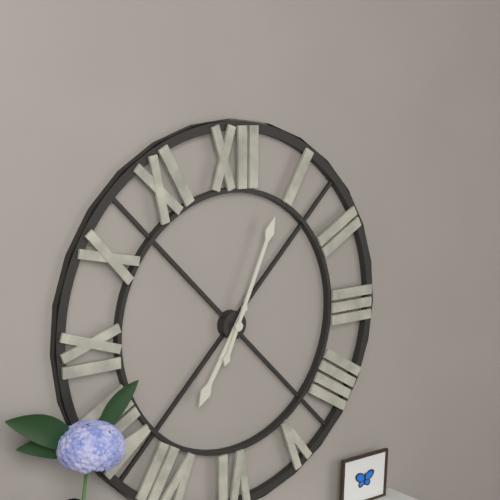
7:04
